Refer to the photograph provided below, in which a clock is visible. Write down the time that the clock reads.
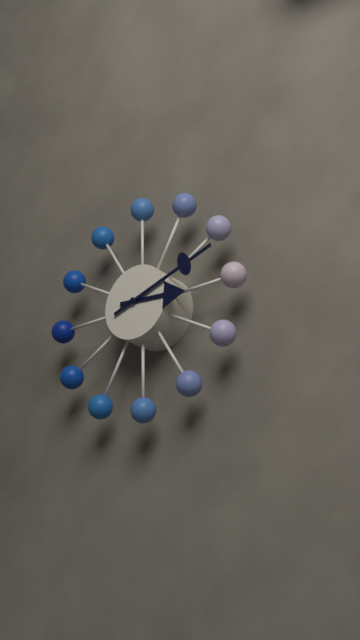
3:12
